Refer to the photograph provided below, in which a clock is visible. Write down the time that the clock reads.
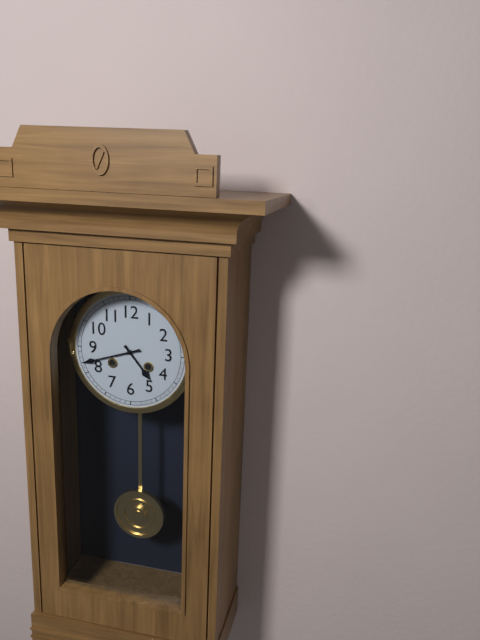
4:42
